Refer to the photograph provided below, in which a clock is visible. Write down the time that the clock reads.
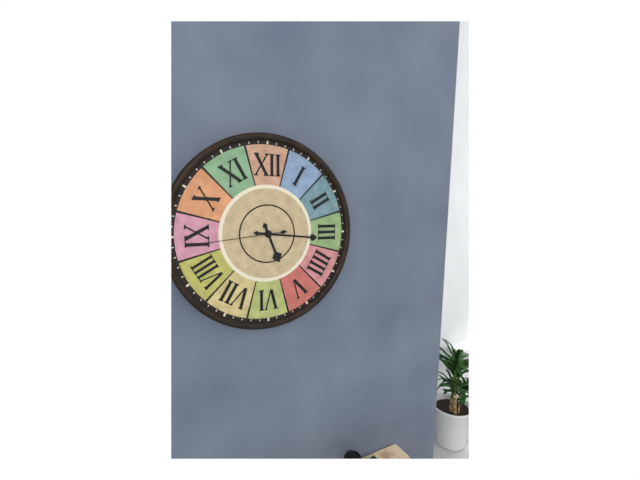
5:16:44
